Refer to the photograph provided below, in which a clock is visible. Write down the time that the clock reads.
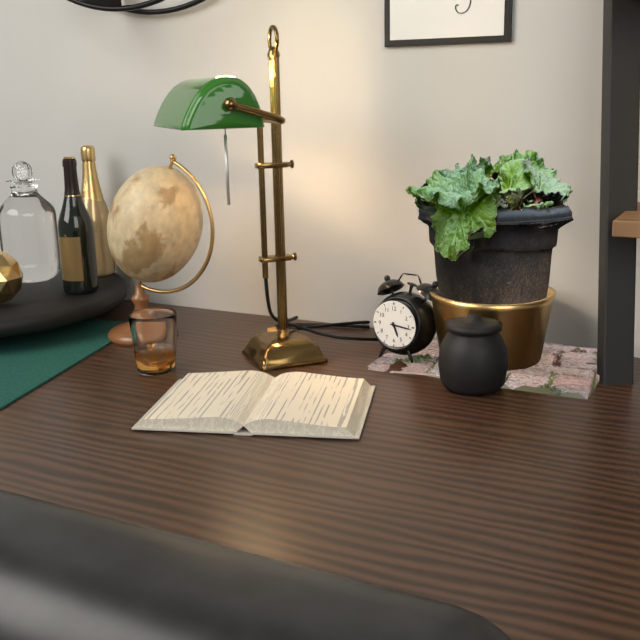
5:16
